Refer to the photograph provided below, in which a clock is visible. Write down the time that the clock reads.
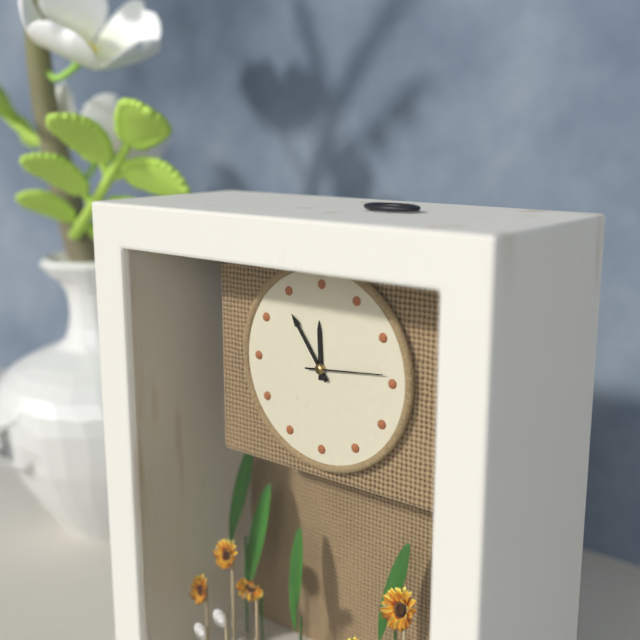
11:54:14
